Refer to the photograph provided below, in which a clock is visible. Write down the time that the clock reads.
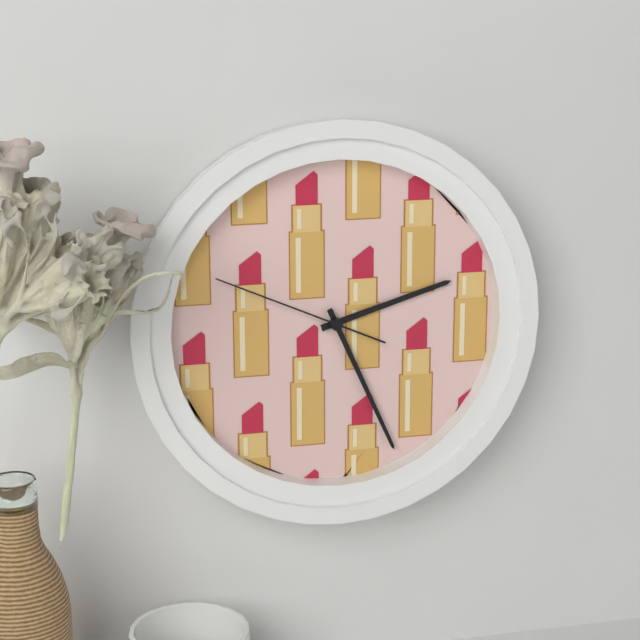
2:26:49
